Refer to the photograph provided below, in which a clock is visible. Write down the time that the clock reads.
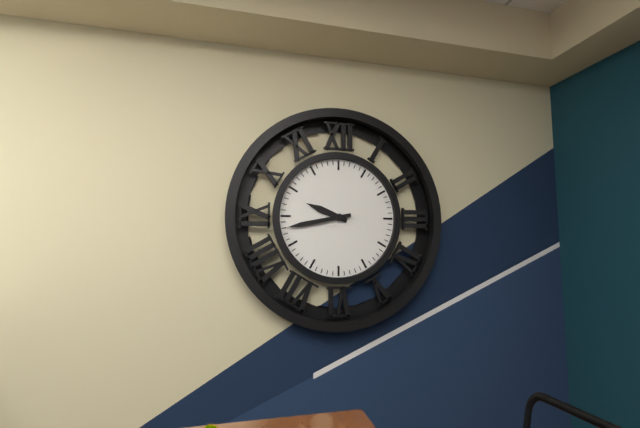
9:43
